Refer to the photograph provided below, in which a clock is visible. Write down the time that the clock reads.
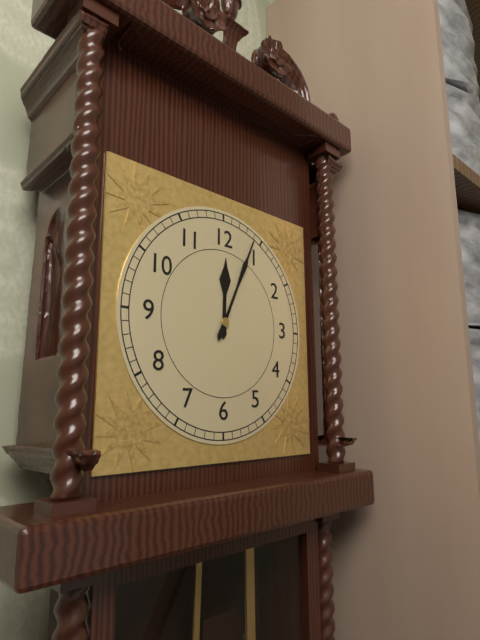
12:04
